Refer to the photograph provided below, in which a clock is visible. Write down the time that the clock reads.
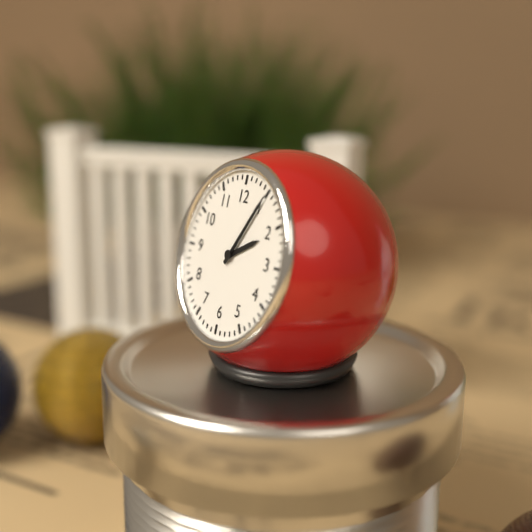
2:05
